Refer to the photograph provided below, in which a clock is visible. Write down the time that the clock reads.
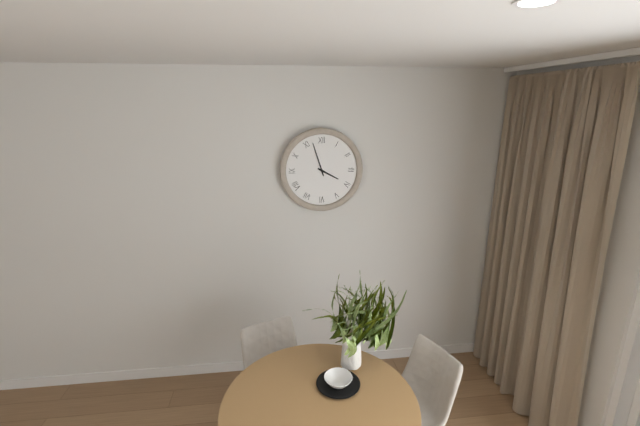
3:57
